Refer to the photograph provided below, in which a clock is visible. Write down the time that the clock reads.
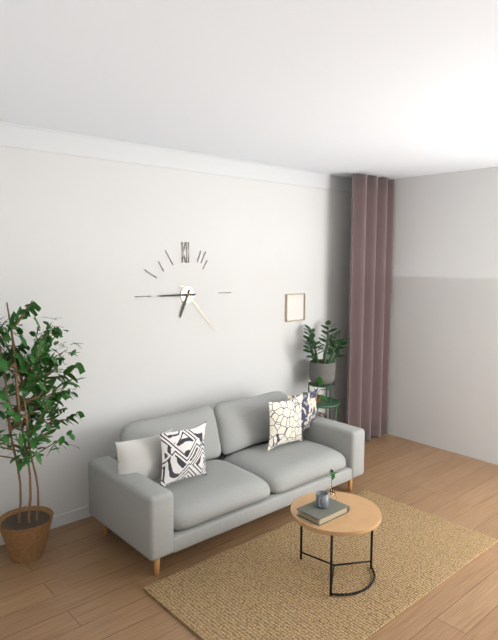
6:45:23
